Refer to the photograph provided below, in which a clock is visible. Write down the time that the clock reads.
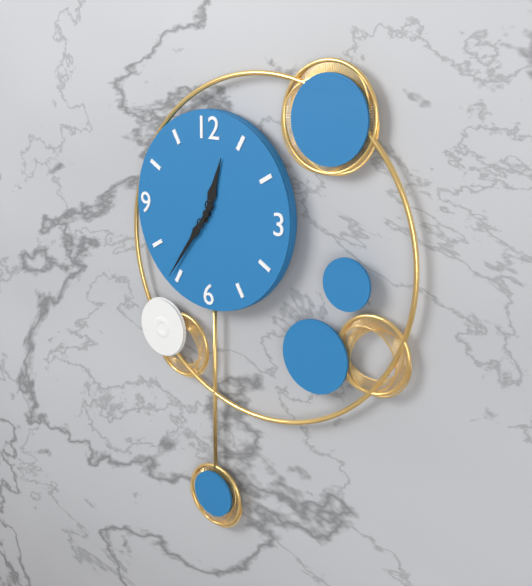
12:36
